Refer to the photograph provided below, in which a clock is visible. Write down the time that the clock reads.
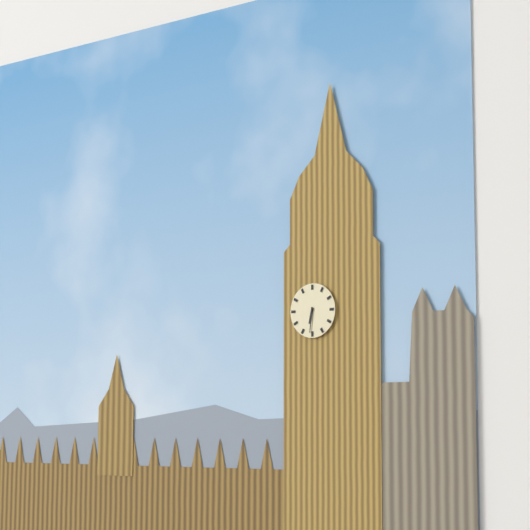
6:31
